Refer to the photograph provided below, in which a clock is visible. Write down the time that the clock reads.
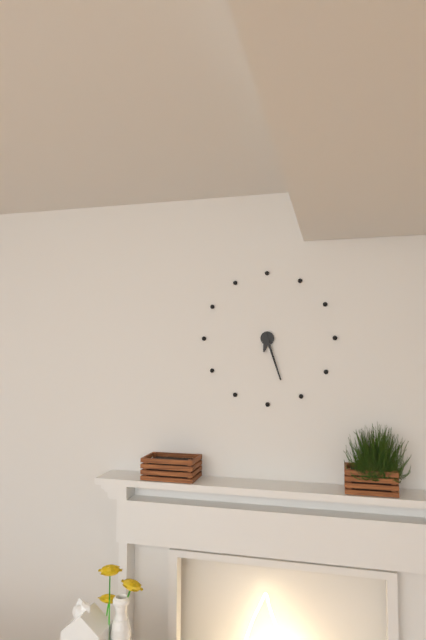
6:27
